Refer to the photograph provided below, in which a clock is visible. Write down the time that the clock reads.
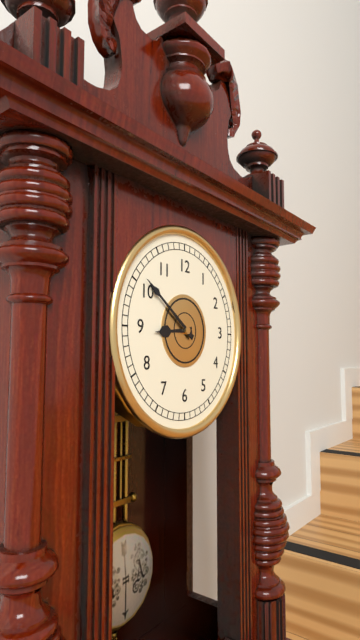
8:51
